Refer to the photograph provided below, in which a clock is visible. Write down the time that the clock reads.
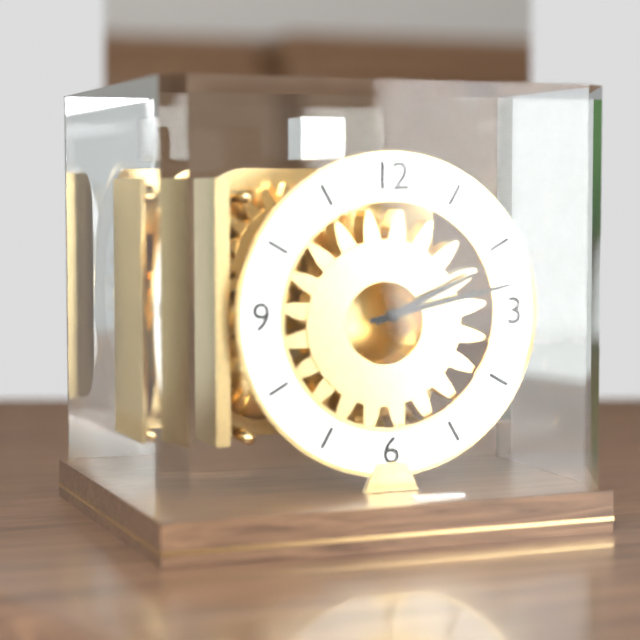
2:13
